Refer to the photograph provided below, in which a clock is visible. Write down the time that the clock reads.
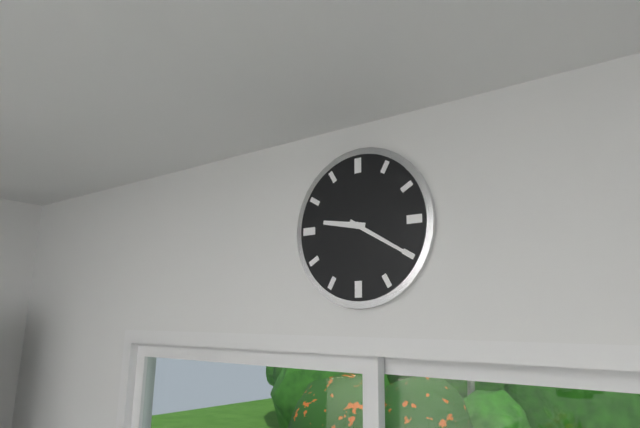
9:20
